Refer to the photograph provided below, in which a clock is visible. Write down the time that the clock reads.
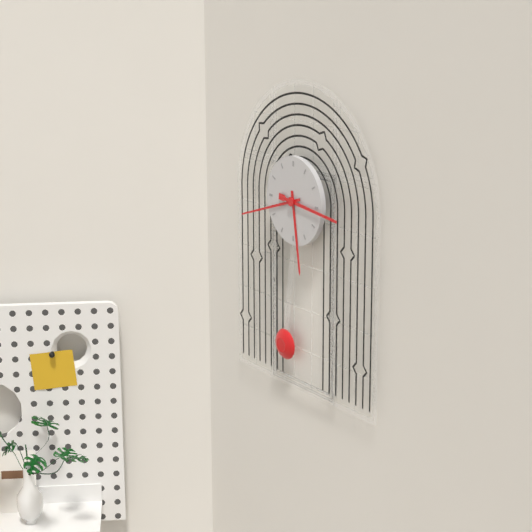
5:42:16
